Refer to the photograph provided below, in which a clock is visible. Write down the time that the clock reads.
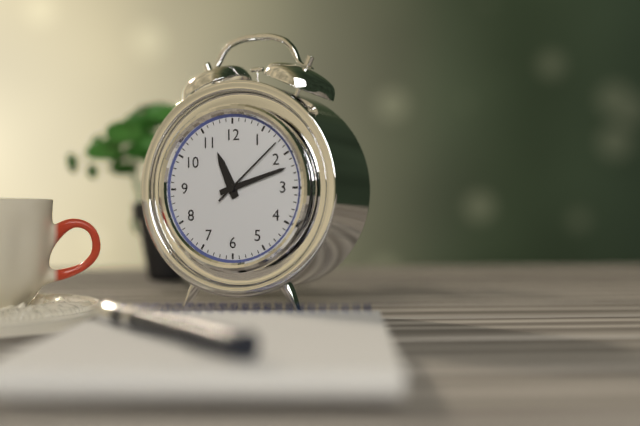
11:12:08
